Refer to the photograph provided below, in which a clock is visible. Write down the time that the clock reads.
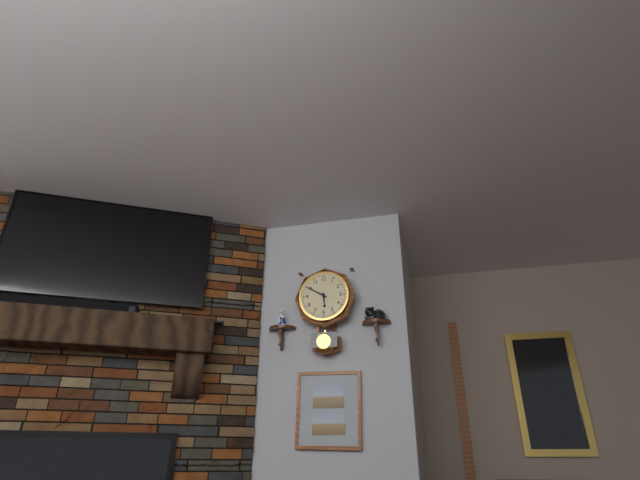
5:50
